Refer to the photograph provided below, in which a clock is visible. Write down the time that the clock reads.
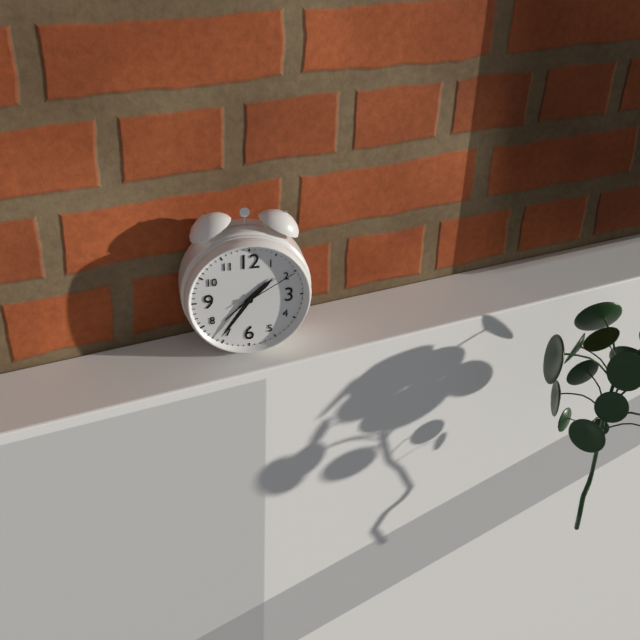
1:36:10
